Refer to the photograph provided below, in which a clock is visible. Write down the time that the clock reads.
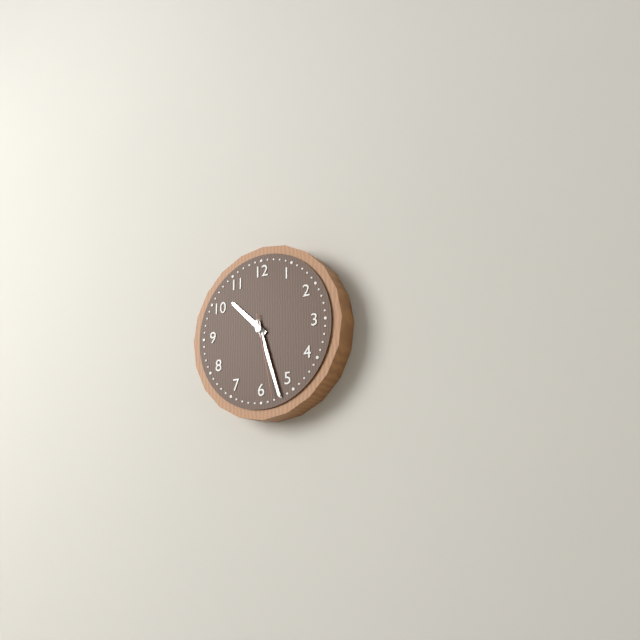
10:27:28
